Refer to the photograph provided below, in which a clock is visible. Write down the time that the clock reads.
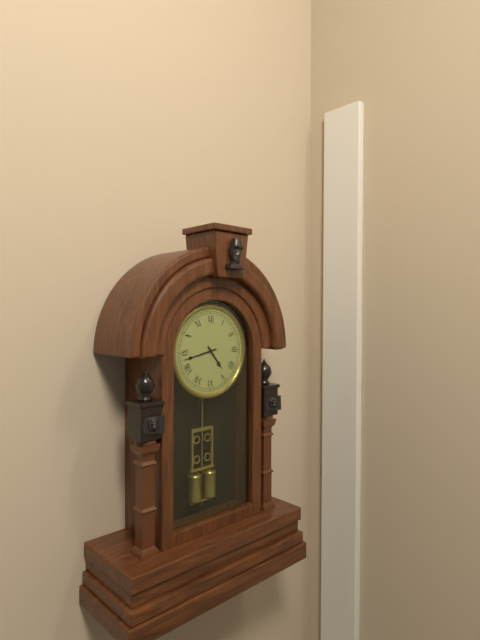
4:43
